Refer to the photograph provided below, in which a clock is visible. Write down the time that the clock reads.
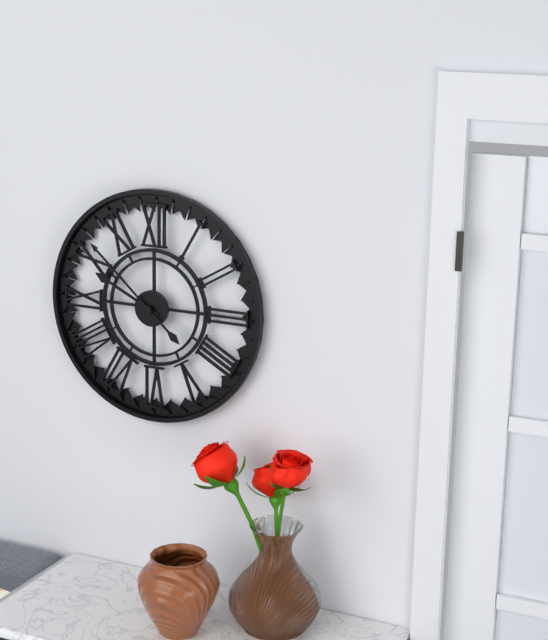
9:52
